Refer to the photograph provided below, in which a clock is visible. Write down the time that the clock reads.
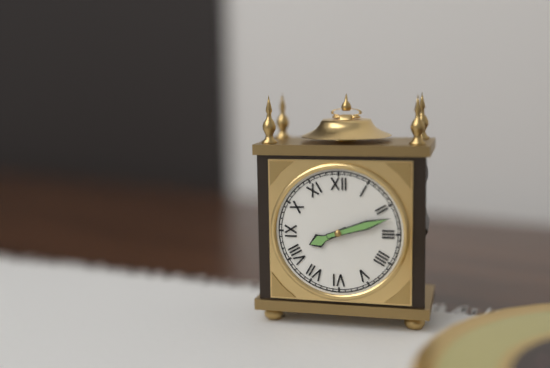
8:12
